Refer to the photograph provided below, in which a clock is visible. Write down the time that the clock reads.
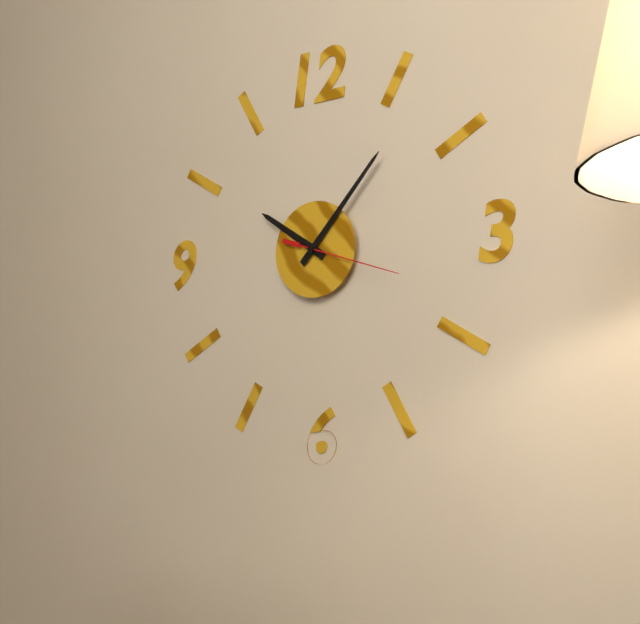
10:07:18
